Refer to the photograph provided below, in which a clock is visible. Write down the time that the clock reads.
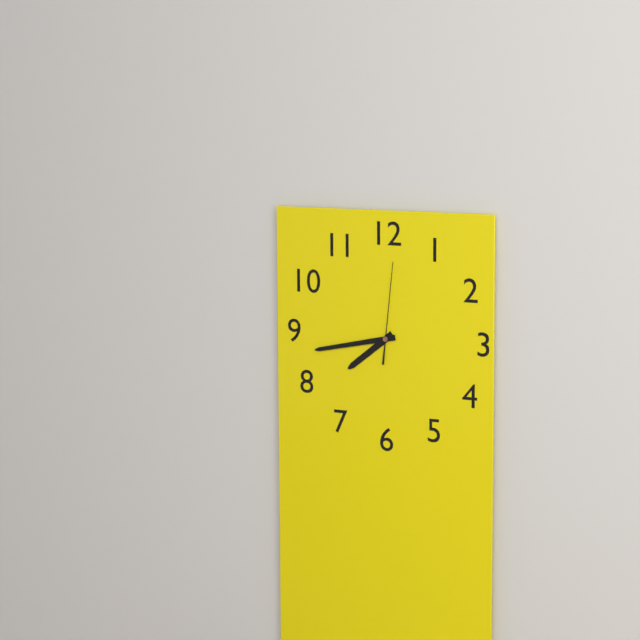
7:43:01
